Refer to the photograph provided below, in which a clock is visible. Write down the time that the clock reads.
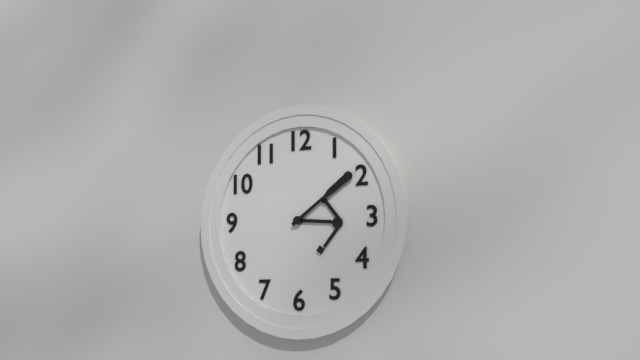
3:09
